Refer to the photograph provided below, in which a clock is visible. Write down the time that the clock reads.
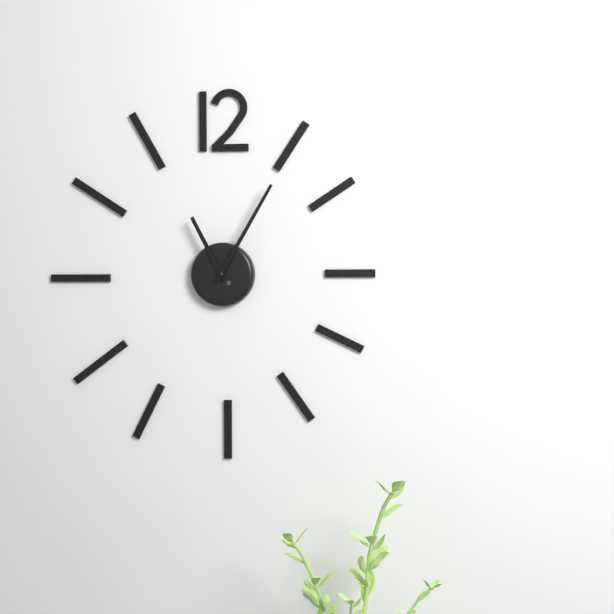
11:05
